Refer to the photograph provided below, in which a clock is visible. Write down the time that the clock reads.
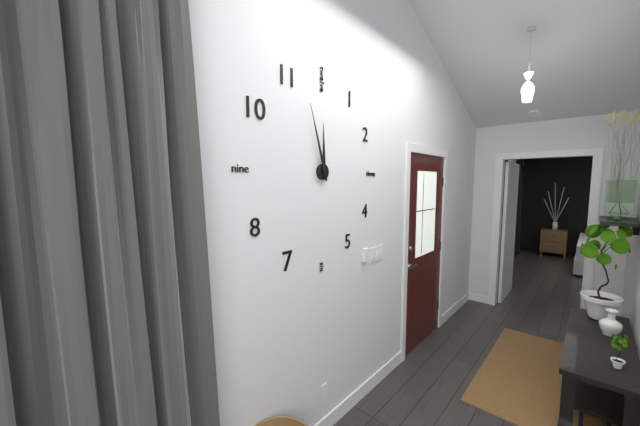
11:57
